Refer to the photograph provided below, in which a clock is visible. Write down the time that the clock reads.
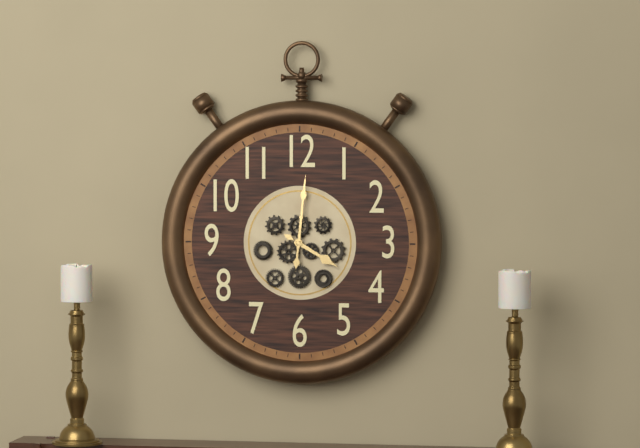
4:01
